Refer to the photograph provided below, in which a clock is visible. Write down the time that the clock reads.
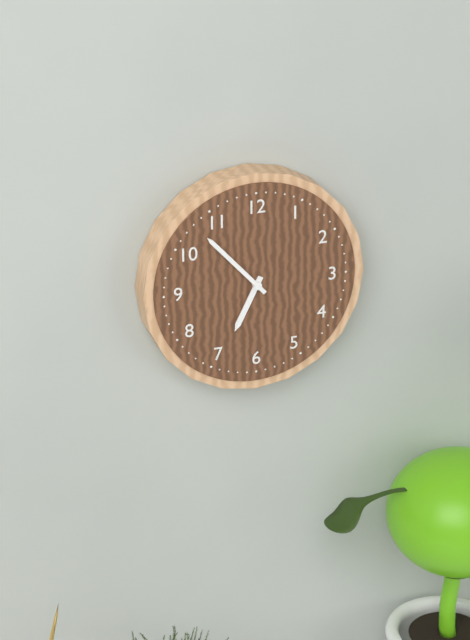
6:53
